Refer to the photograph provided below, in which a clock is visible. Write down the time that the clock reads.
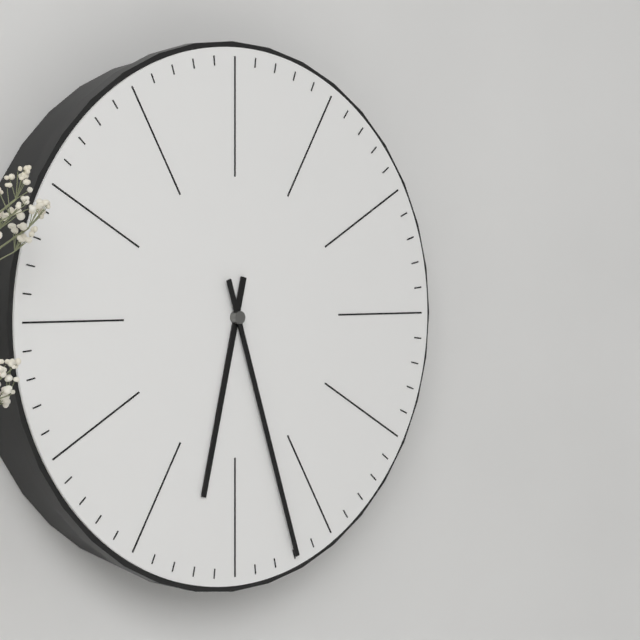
6:27
